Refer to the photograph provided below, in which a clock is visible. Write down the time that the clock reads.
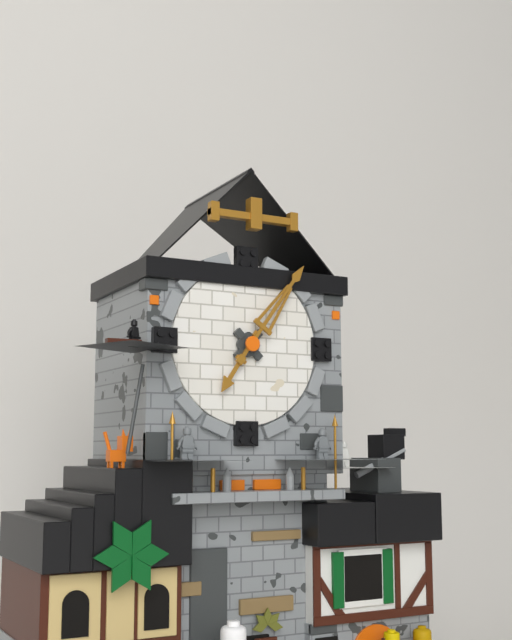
7:06
